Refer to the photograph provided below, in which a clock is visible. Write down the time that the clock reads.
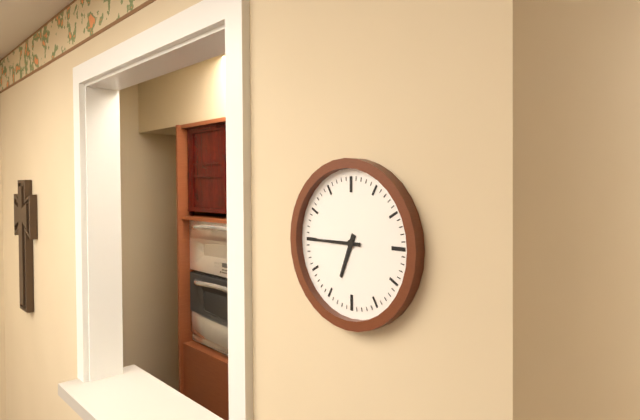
6:45
